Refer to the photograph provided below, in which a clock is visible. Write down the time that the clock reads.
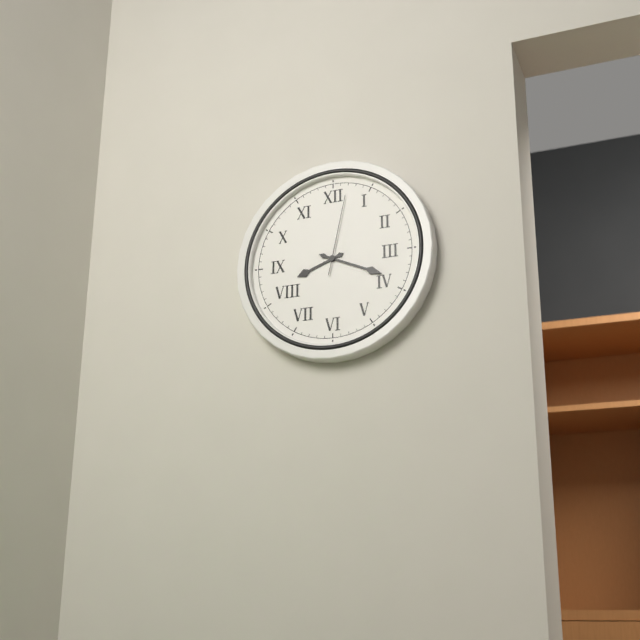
8:19:02
